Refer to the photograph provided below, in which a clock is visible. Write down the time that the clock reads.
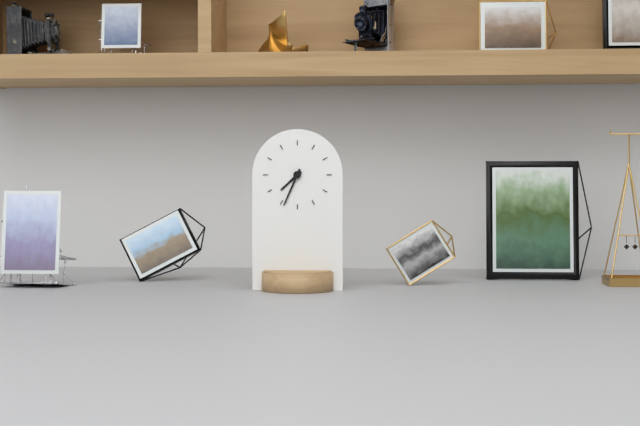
7:34
